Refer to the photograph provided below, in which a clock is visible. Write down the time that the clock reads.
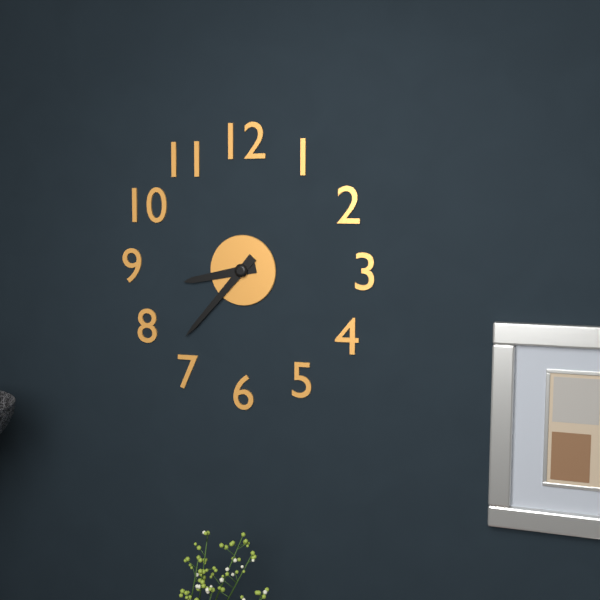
8:37
